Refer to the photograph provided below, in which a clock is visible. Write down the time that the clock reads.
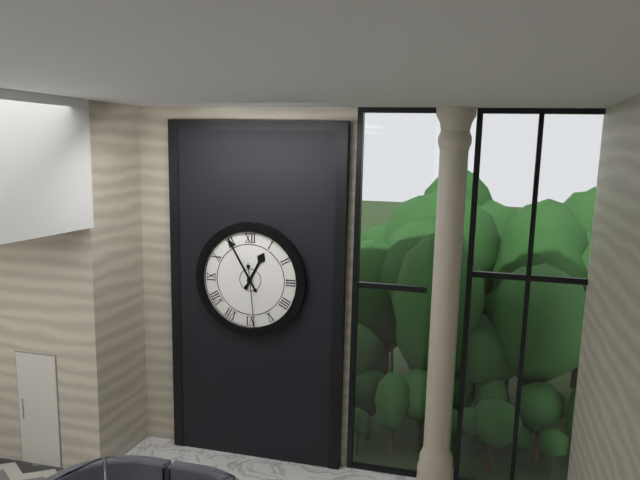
12:55:29
